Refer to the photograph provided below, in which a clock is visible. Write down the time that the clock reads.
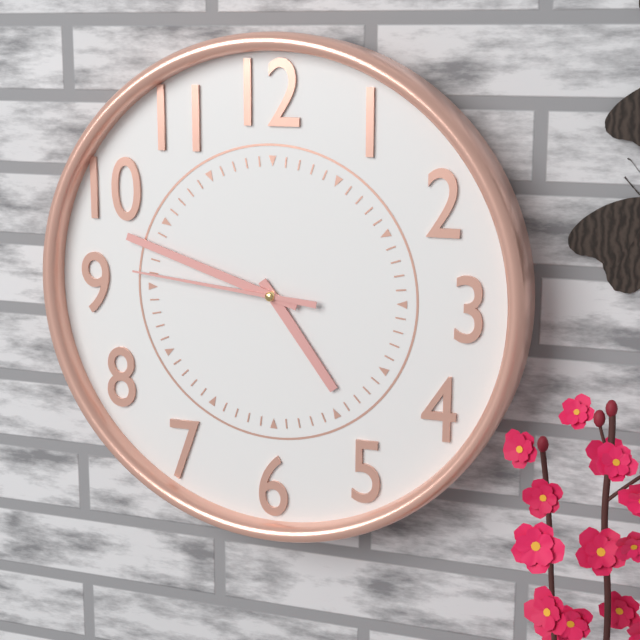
4:48:46
